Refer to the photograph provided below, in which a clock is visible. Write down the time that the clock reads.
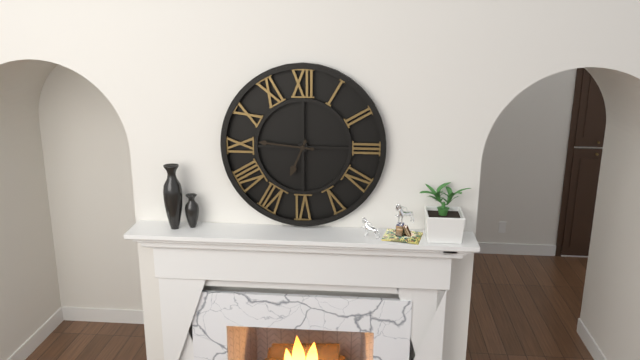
6:46
